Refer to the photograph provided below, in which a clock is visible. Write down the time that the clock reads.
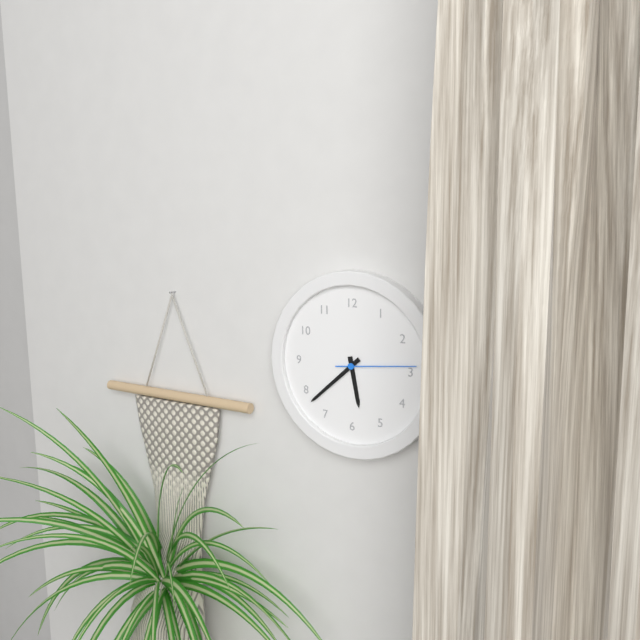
5:38:14
